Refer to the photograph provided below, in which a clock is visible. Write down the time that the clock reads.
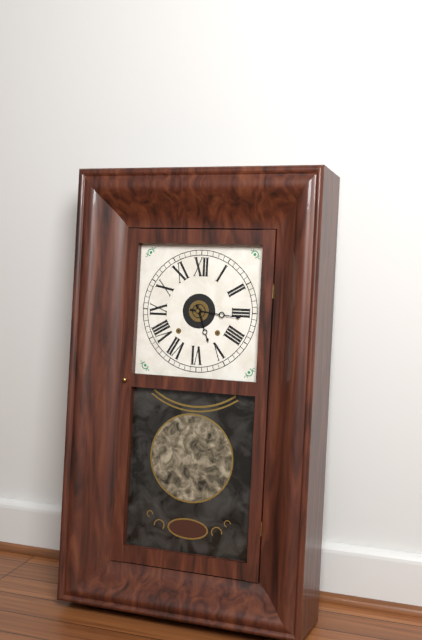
5:16
